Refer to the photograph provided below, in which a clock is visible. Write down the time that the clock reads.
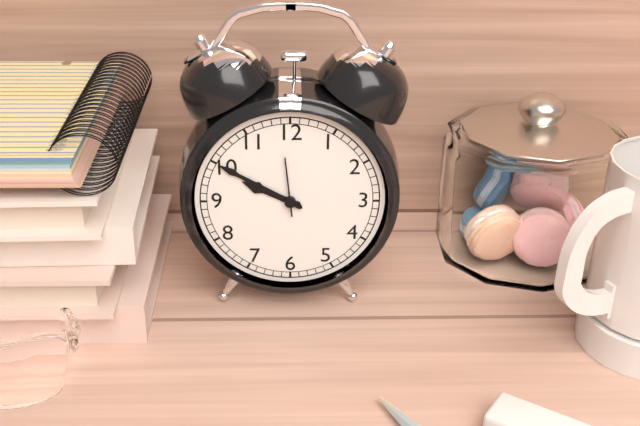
9:50:59
